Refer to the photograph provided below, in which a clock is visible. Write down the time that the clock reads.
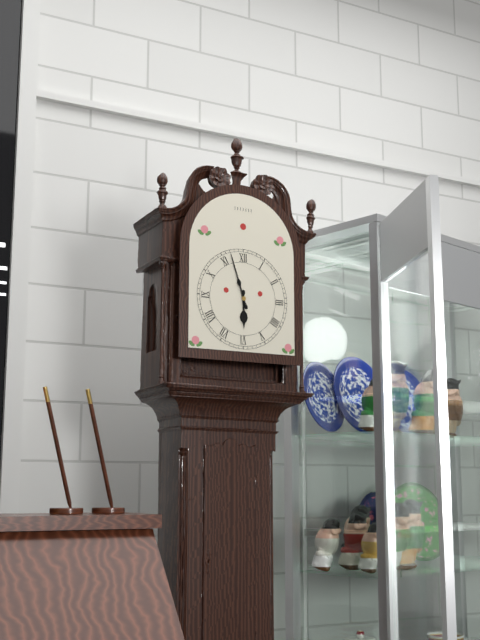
5:57
